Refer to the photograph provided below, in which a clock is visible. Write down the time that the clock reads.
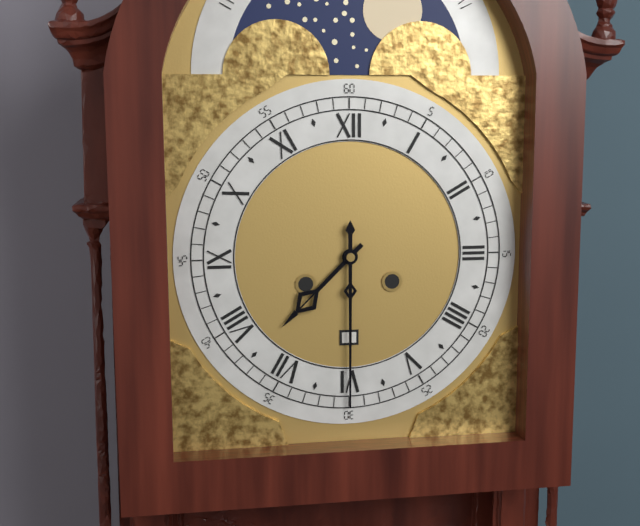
7:30
